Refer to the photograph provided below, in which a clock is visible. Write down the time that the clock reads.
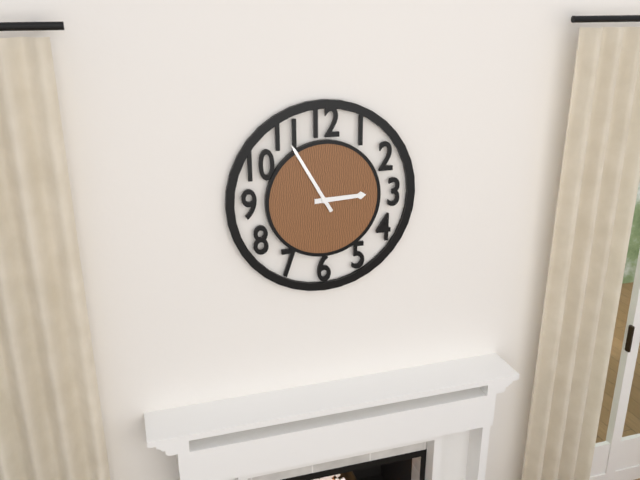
2:55
